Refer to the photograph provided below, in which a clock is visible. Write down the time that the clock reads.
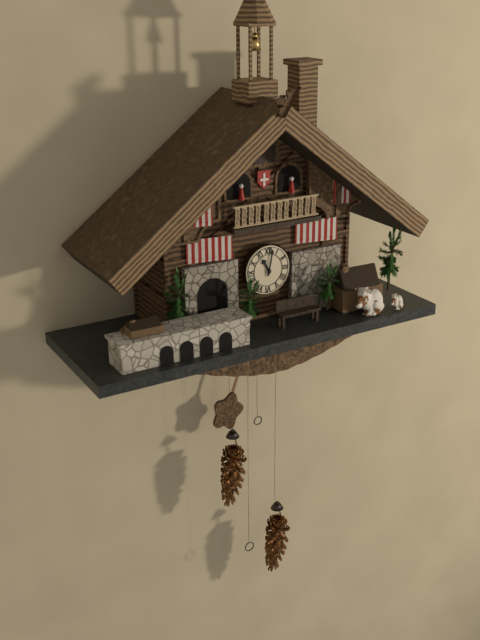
11:02
